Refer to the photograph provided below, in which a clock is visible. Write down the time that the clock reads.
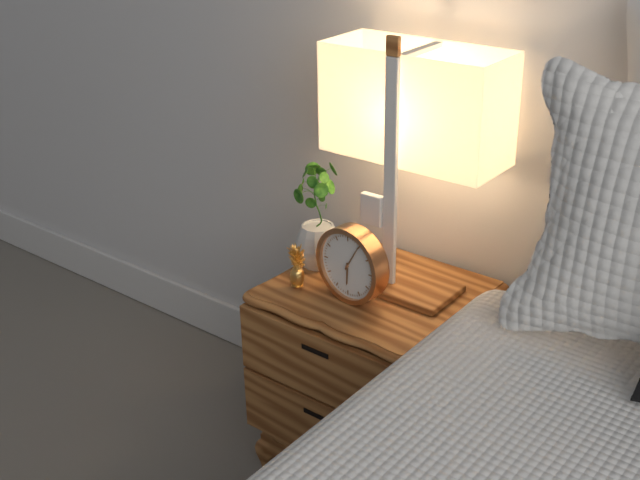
6:05
